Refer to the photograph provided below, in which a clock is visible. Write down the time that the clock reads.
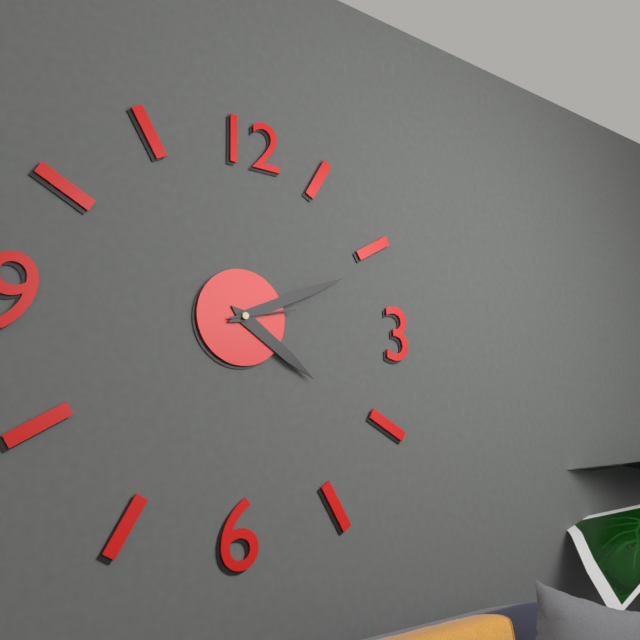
4:11:13
